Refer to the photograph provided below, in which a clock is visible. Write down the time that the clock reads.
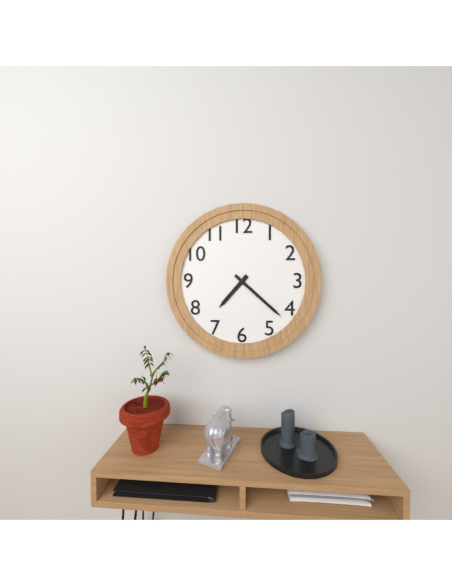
7:22
